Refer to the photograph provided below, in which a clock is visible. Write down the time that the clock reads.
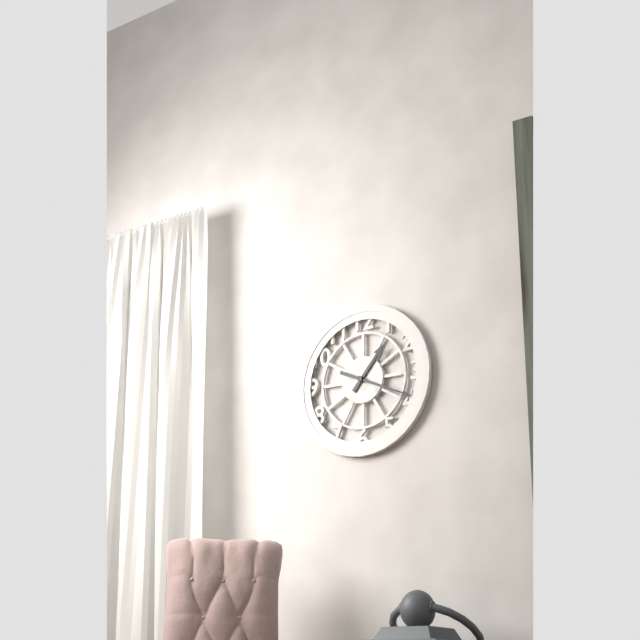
1:19
